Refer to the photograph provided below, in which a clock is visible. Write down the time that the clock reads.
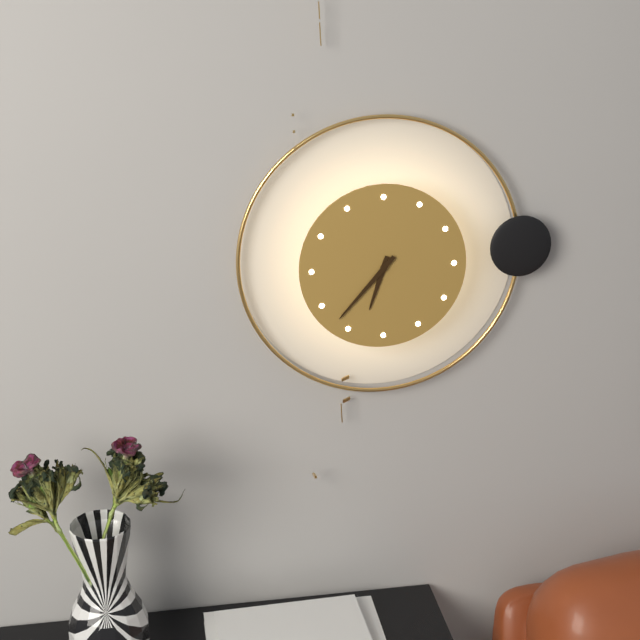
6:37
